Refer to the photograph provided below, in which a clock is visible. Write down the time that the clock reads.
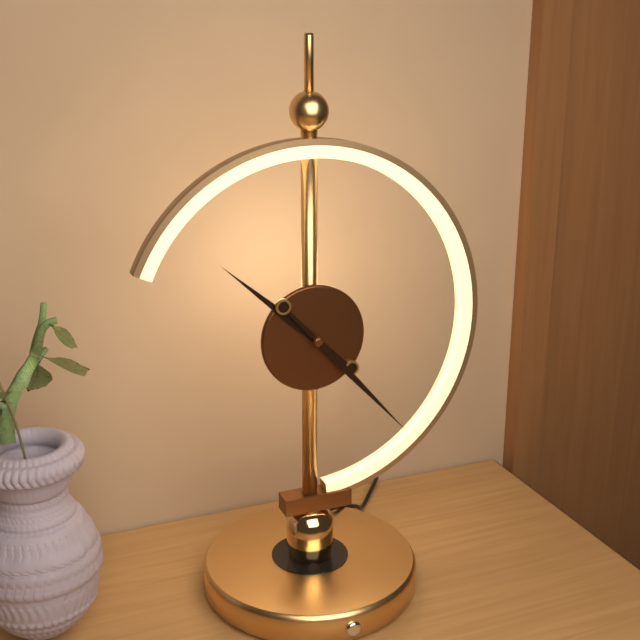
10:23
